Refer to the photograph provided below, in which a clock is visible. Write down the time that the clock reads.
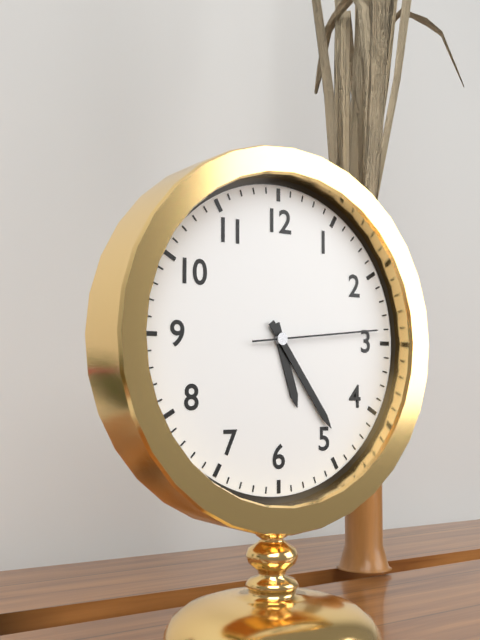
5:24:14
